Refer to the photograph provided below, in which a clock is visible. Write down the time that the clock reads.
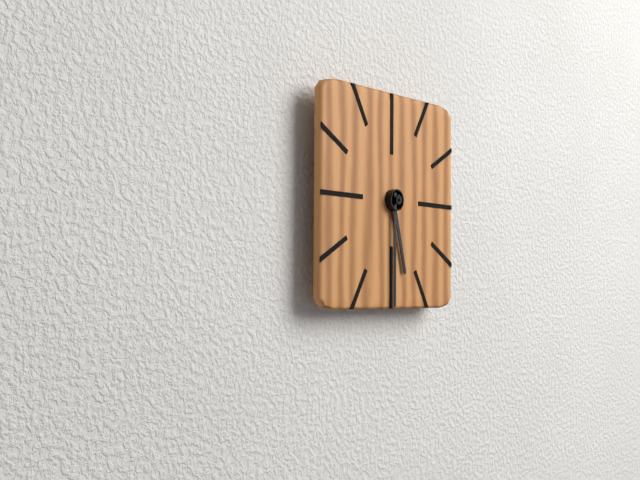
5:30
